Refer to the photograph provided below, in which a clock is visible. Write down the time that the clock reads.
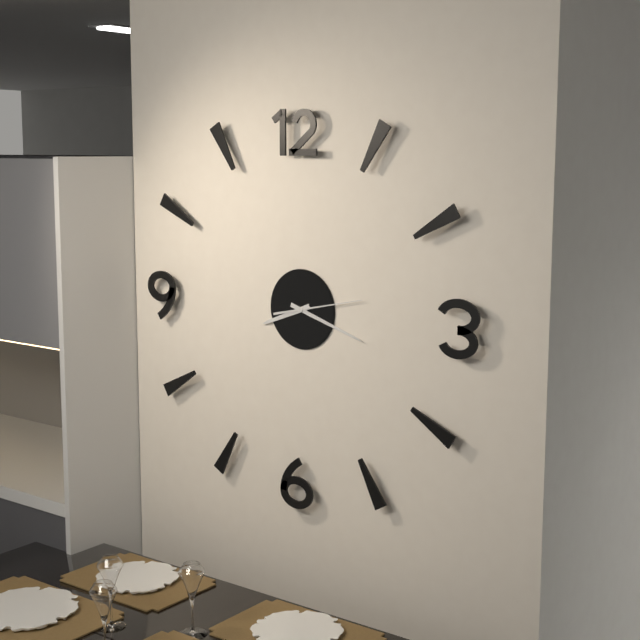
8:18:13
